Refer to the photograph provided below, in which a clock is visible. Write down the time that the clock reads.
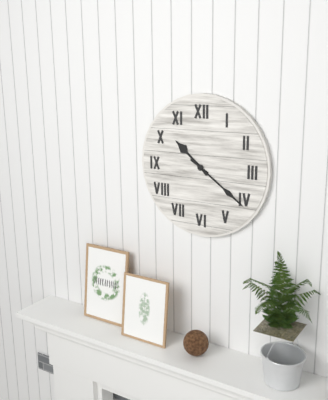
10:21
